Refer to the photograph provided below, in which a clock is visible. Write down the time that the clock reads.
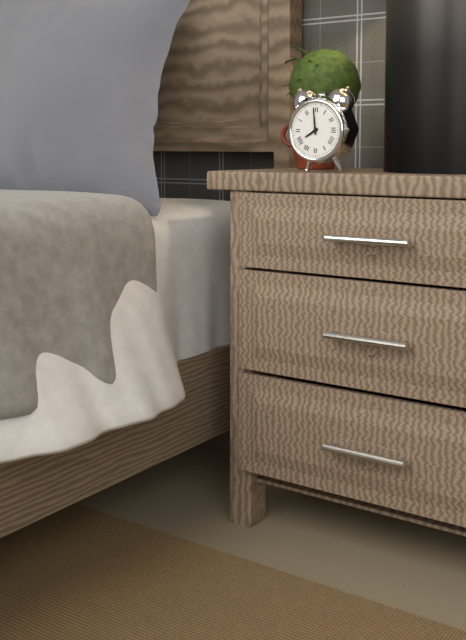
7:59
